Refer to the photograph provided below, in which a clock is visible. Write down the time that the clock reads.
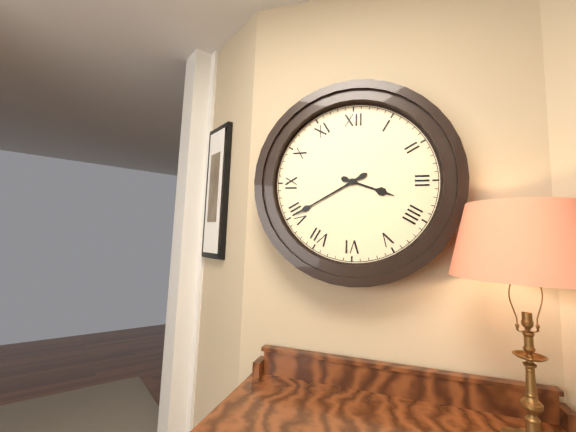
3:40
